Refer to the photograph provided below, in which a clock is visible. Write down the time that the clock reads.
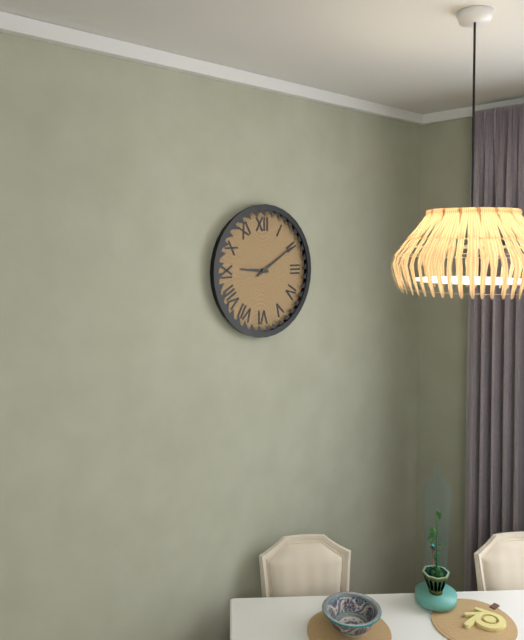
9:10
